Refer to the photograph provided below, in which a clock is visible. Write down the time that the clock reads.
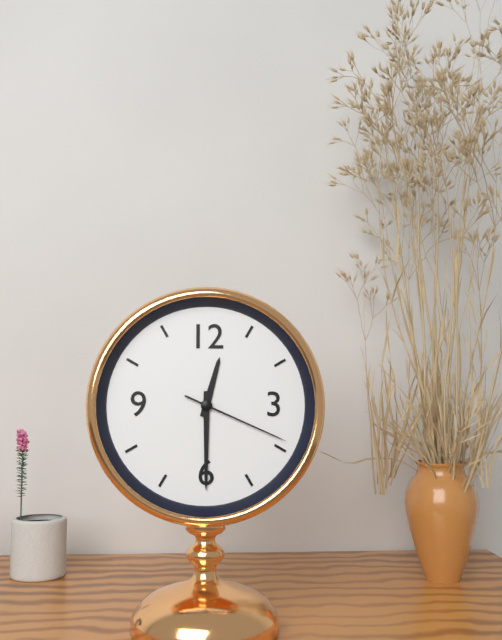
12:30:19
